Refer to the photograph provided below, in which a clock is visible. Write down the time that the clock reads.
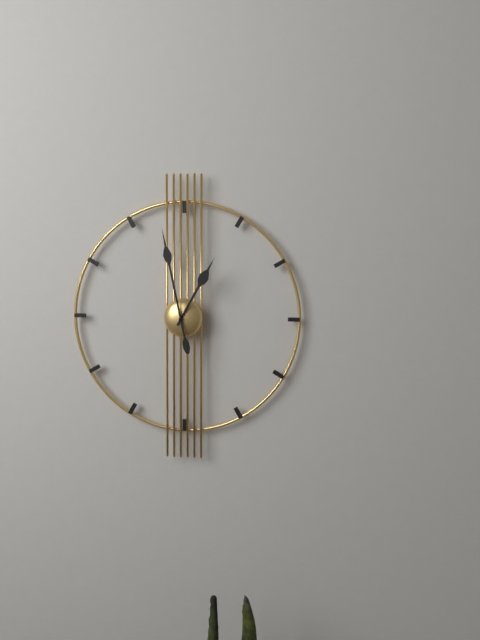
12:58
